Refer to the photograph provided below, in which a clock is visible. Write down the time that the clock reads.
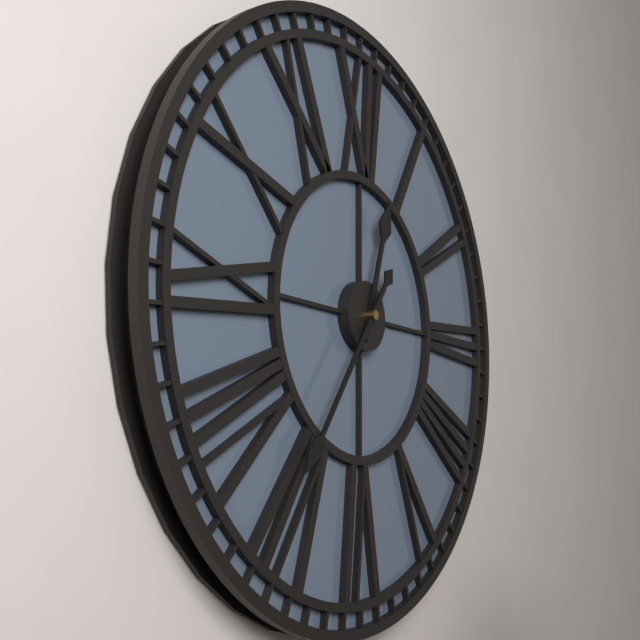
12:36
